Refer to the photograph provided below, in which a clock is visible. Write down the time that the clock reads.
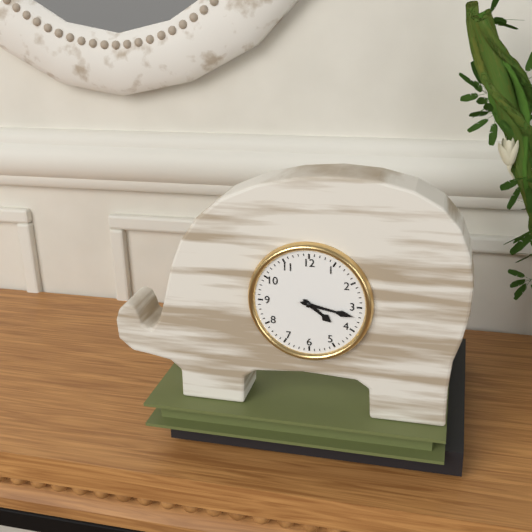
4:17
